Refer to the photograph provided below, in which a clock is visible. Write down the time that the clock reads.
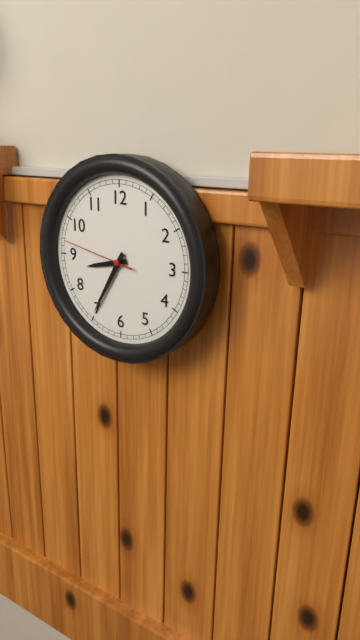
8:35:47
